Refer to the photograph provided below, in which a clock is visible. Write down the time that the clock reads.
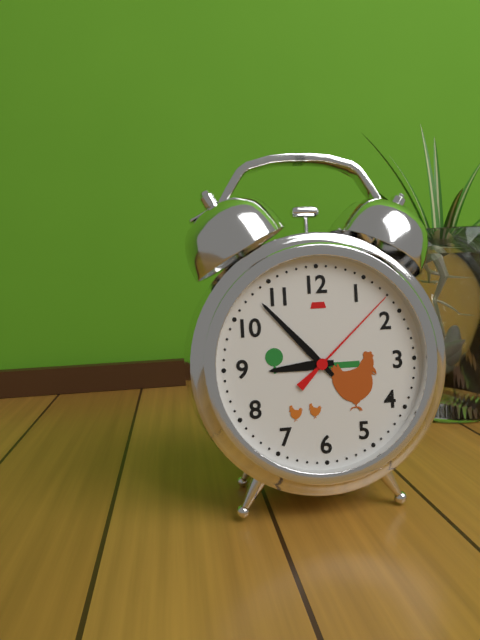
8:53:08
